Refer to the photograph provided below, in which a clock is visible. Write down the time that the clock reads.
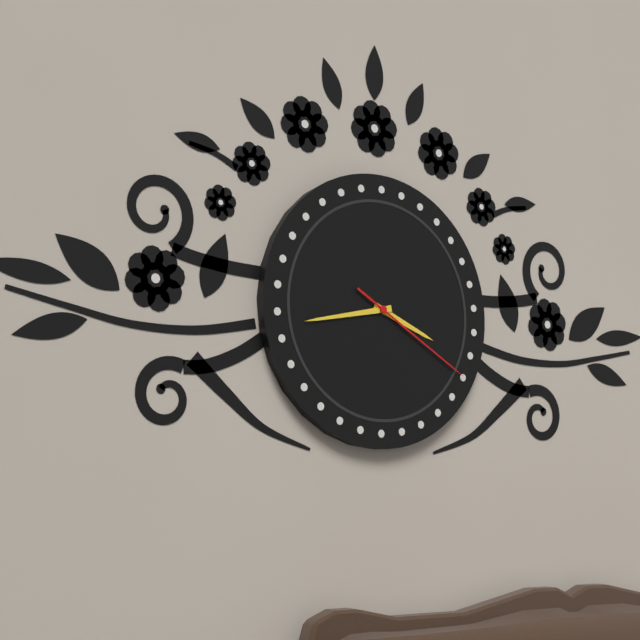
3:43:20
